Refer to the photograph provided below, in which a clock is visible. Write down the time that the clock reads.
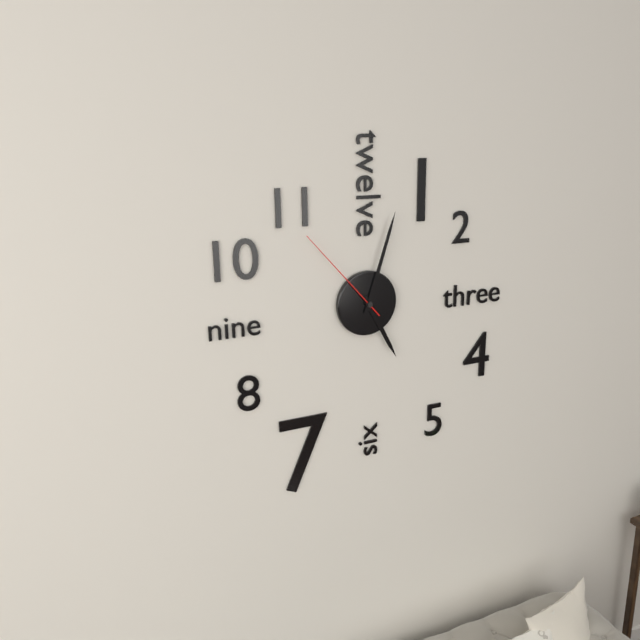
5:03:53
